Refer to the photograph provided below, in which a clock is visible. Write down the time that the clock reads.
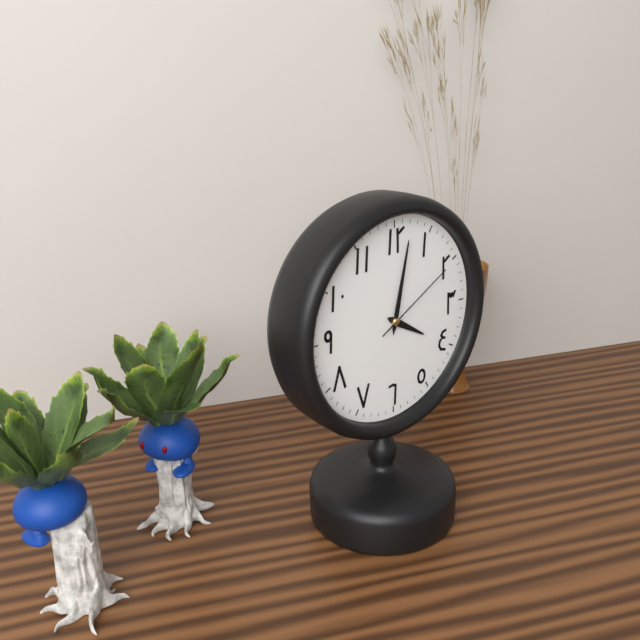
4:02:10
